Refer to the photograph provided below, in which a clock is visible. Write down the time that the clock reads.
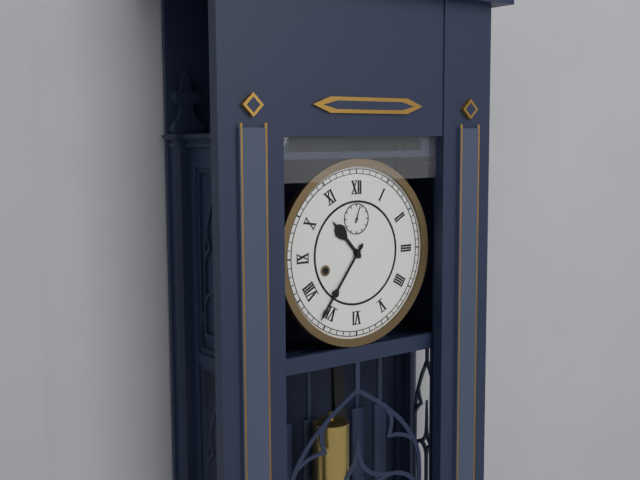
10:36
